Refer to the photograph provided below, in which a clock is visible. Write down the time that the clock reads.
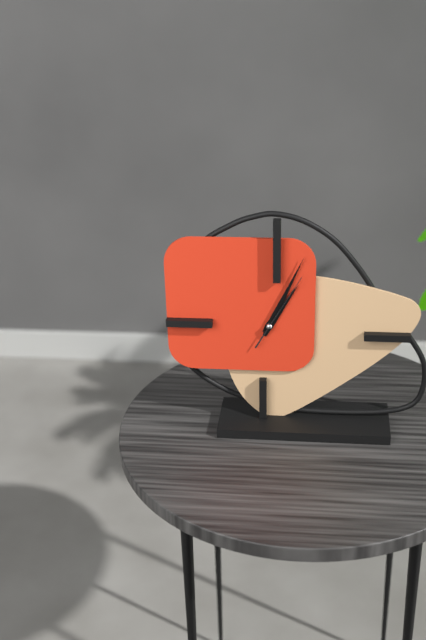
1:04:05
